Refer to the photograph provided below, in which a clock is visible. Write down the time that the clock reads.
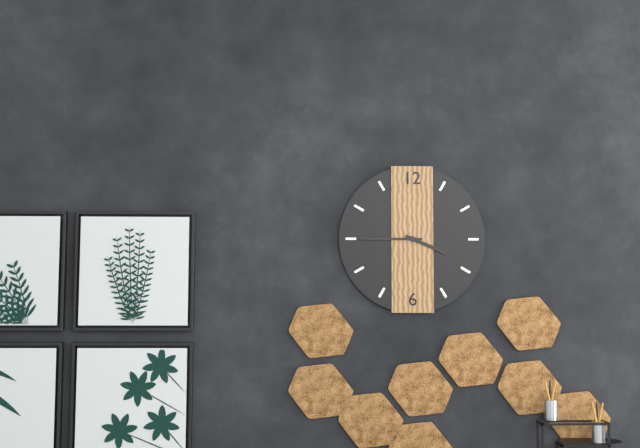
3:45
